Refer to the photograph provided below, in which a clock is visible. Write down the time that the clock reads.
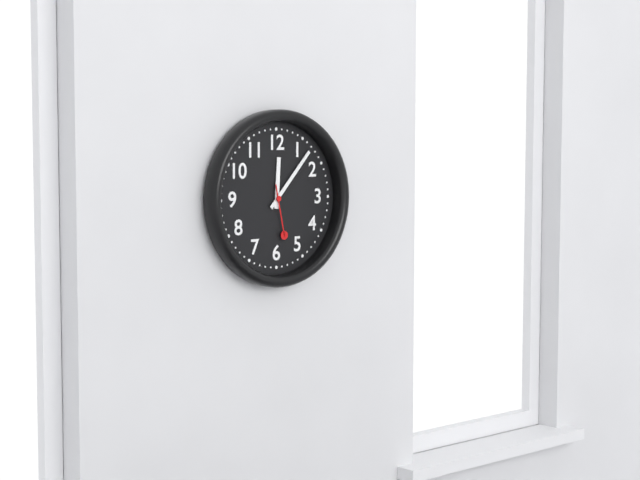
12:07:28
